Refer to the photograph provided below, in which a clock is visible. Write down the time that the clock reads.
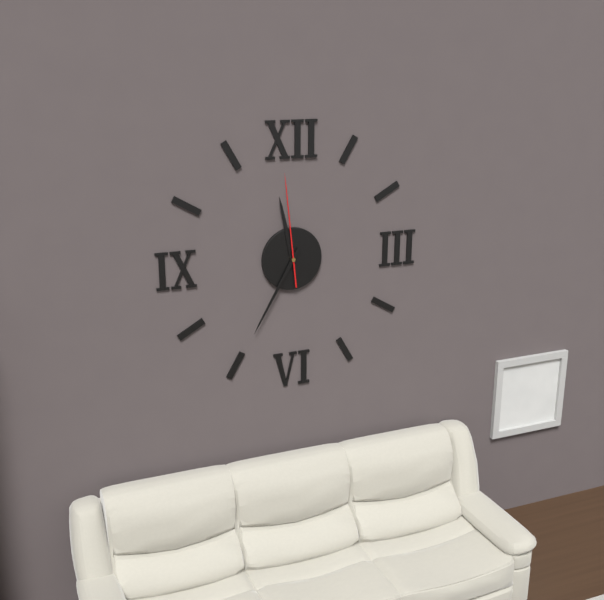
11:35:59
